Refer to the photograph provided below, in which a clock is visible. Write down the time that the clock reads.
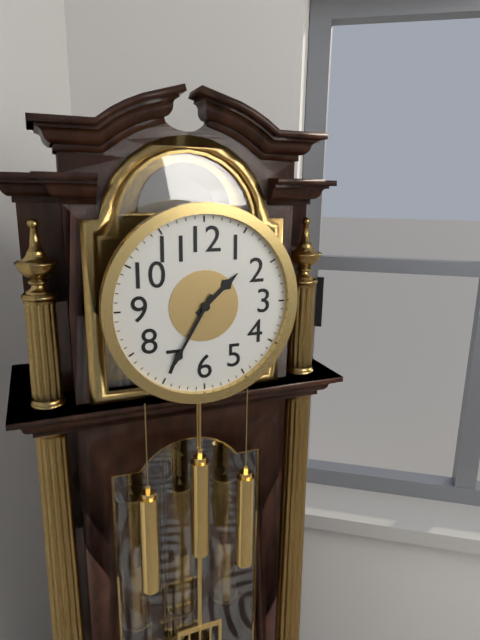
1:35
